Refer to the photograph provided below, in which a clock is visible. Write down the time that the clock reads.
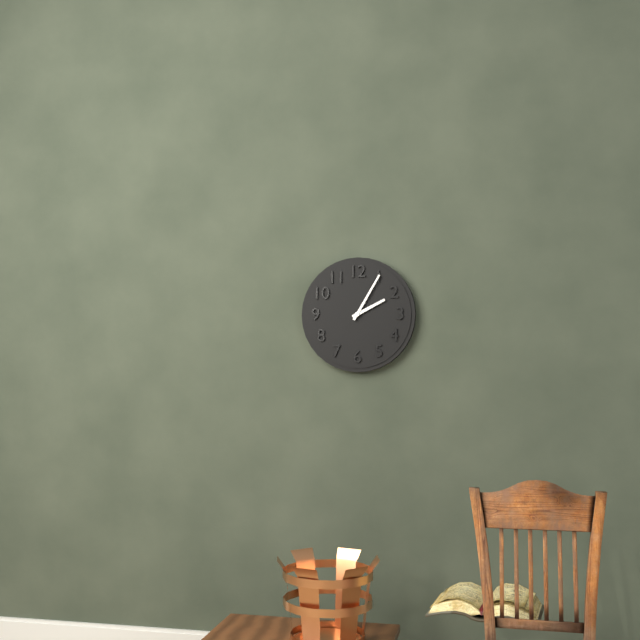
2:05
